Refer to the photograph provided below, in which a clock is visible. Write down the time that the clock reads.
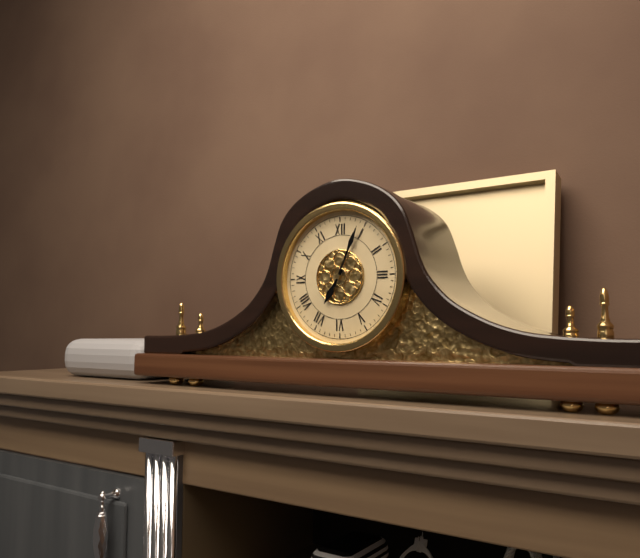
7:04
